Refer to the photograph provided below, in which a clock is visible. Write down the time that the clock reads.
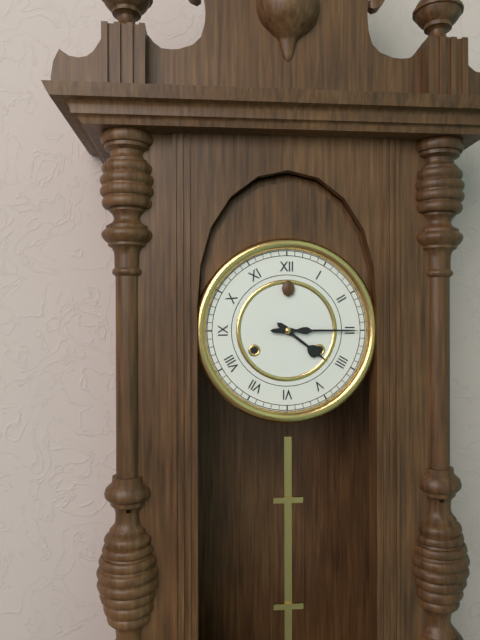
4:15
